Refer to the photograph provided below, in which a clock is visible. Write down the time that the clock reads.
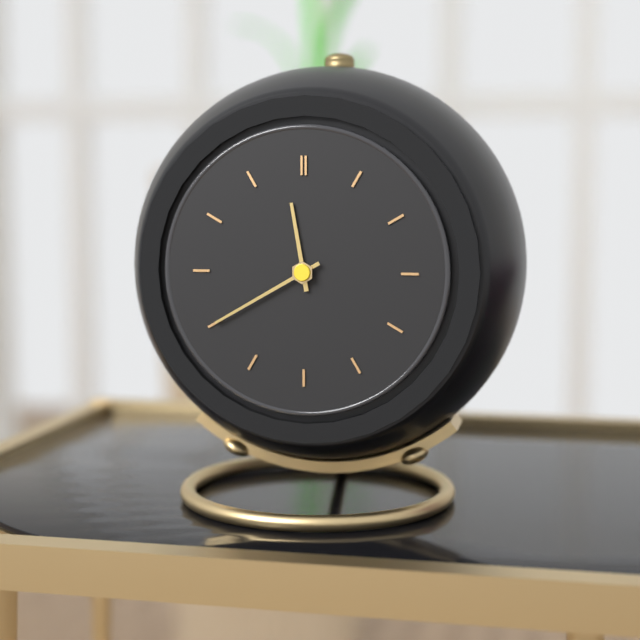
11:40
